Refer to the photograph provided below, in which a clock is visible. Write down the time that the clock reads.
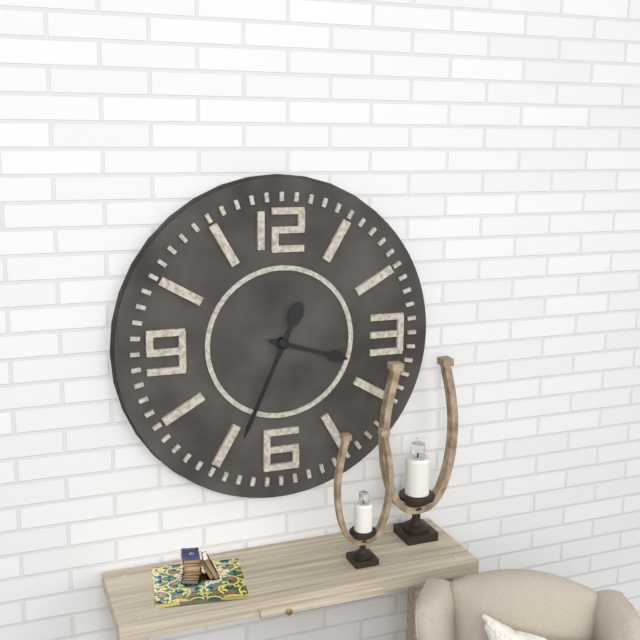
3:34
